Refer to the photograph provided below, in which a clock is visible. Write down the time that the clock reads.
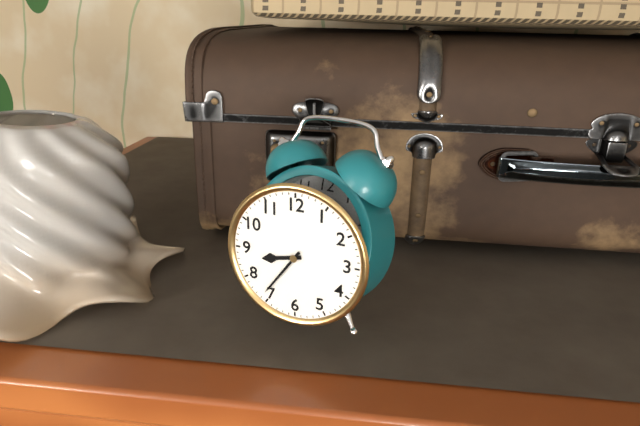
8:36
